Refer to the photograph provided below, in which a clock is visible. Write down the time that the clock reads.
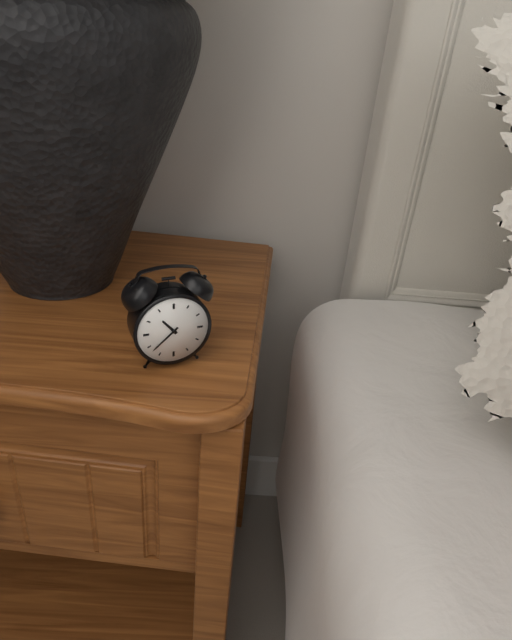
10:38
